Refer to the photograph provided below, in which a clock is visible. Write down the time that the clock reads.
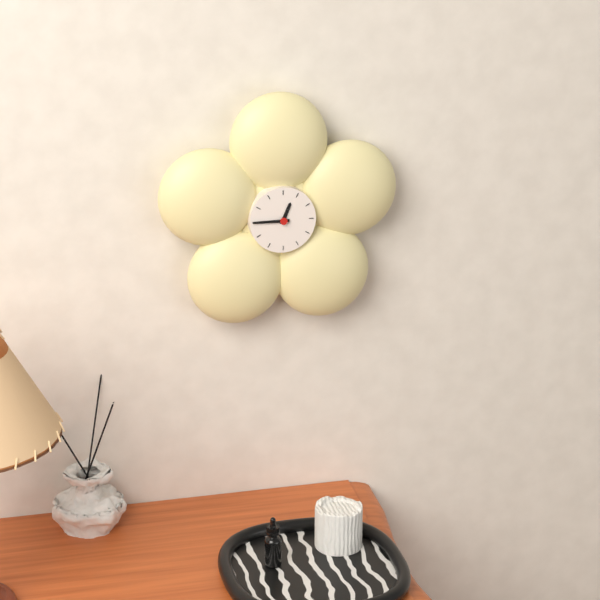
12:45
